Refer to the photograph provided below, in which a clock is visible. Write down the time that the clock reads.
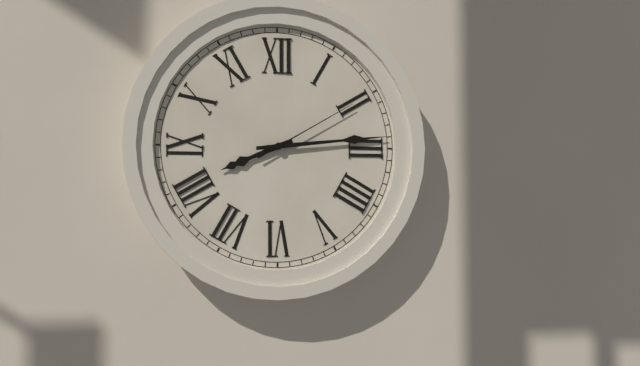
8:14:10
